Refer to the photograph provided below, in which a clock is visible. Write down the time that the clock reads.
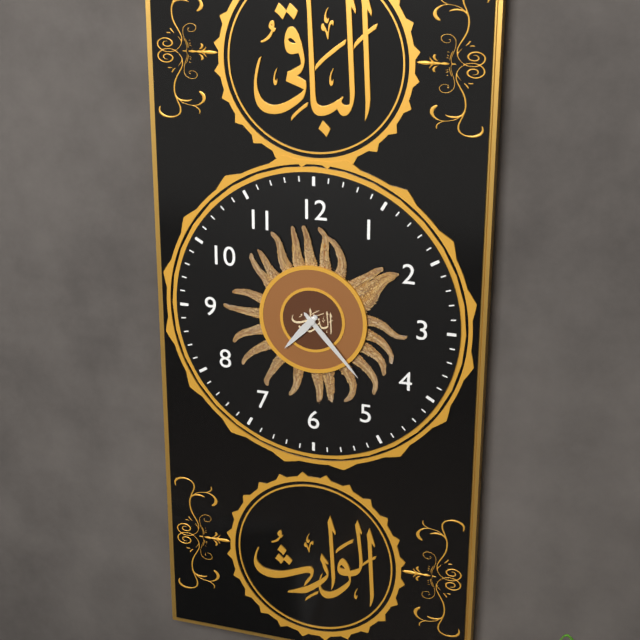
7:23
